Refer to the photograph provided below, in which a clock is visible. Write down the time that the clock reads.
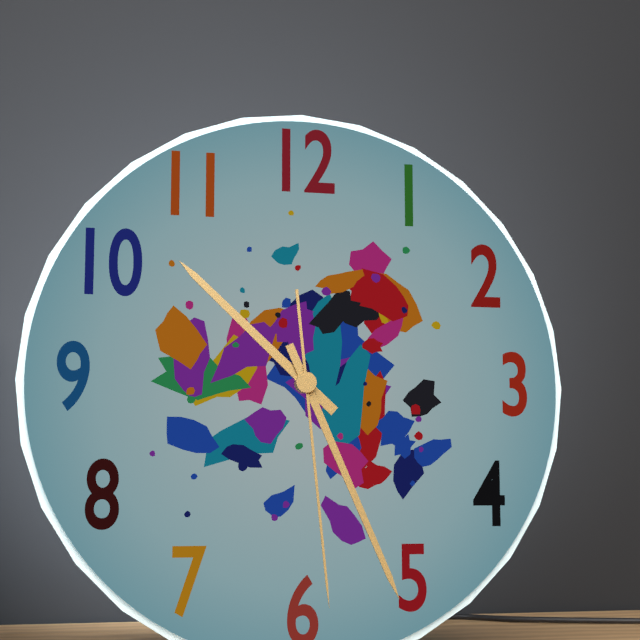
10:26:29
